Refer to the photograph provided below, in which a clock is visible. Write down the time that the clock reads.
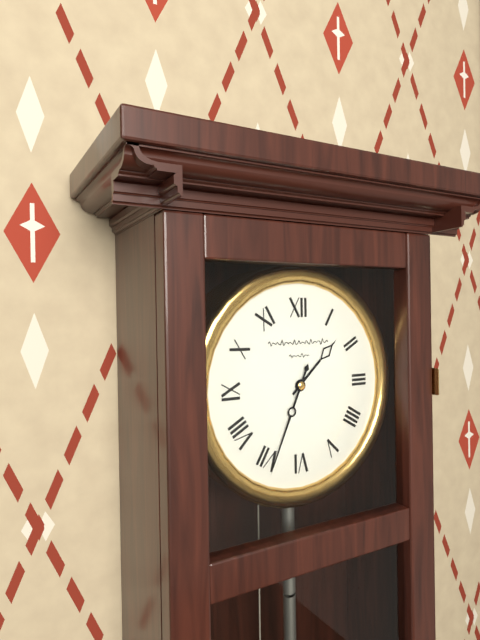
1:34
